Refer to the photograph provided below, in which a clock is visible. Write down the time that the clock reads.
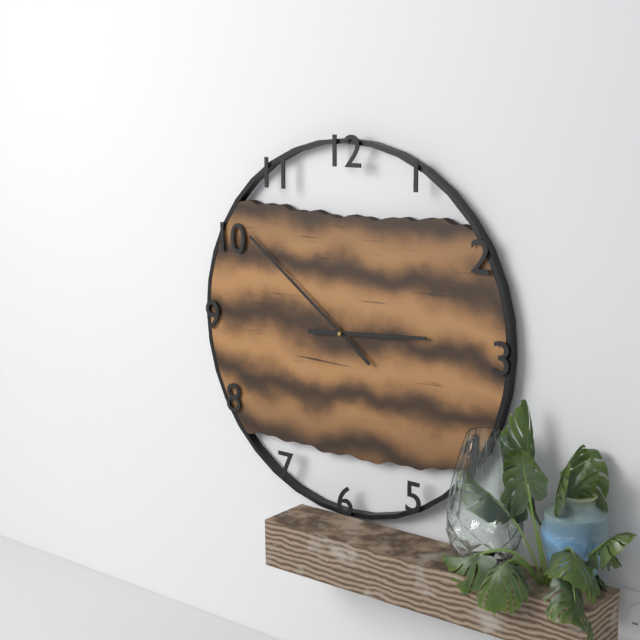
2:51
